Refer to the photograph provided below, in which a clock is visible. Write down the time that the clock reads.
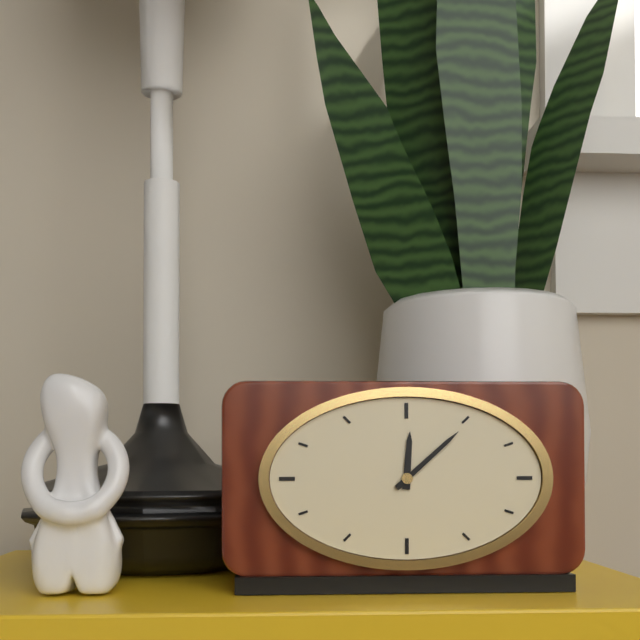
12:08
